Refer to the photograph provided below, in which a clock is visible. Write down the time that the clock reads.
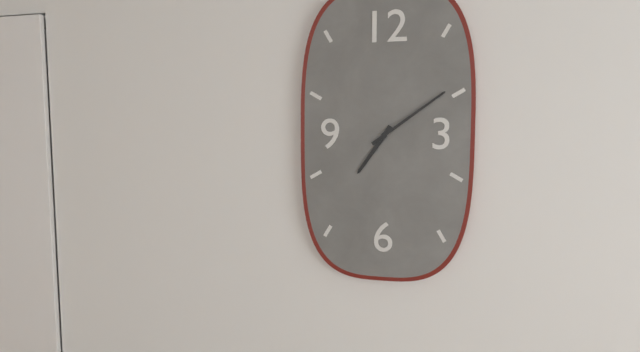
7:09
